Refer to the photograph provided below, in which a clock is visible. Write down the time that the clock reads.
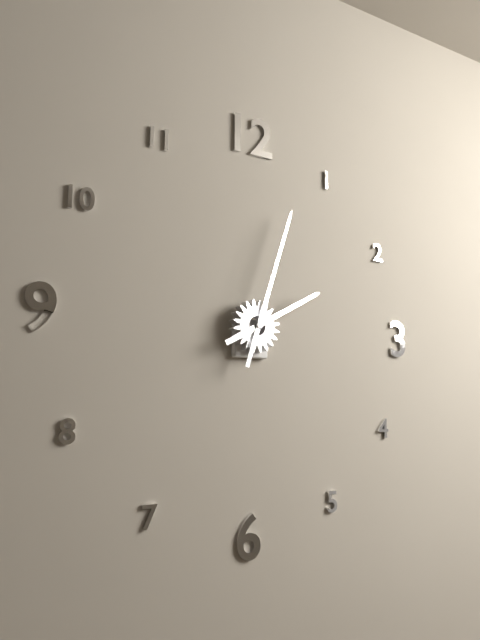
2:03
